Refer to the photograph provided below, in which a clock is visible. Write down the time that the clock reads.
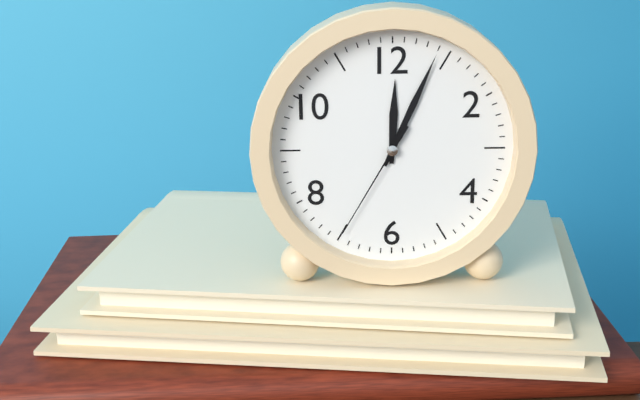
12:04:35
